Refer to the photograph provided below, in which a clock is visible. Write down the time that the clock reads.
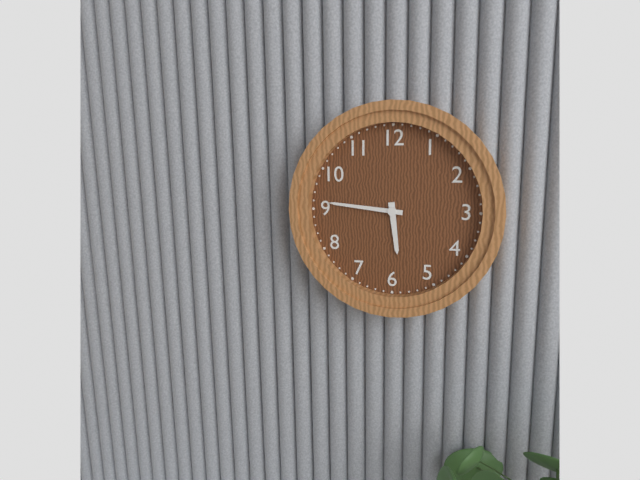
5:46
